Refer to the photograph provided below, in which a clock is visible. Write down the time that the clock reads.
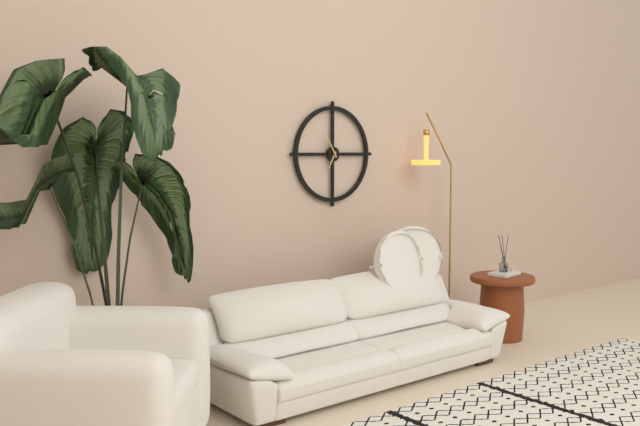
6:55
